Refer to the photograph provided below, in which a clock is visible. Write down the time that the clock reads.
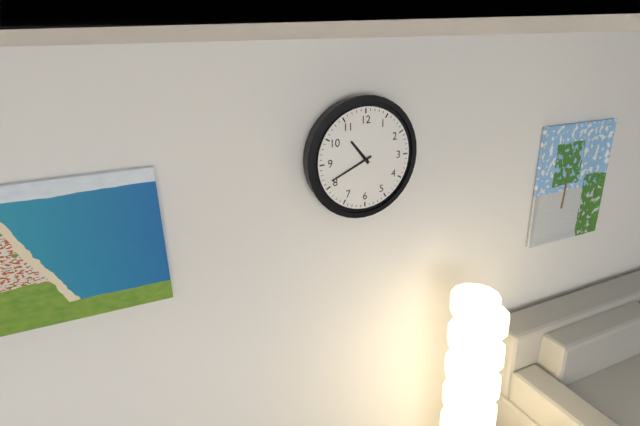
10:41
